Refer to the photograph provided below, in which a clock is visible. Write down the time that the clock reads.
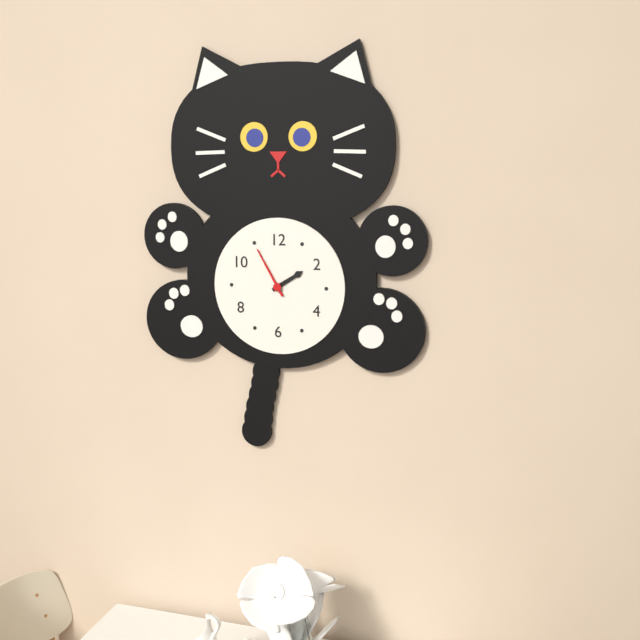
1:55
